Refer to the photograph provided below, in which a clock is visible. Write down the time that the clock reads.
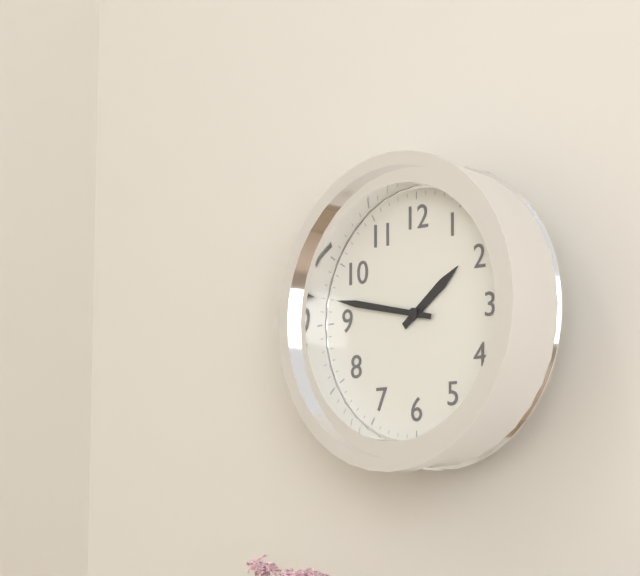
1:47
